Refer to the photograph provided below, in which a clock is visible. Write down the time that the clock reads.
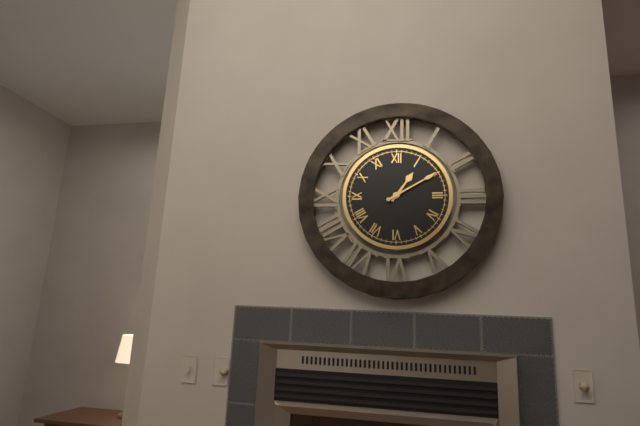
1:10
